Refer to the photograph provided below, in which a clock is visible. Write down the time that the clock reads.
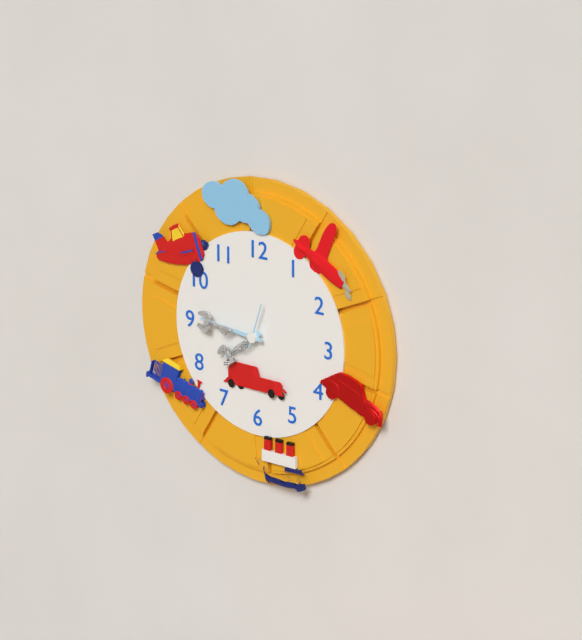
7:46
